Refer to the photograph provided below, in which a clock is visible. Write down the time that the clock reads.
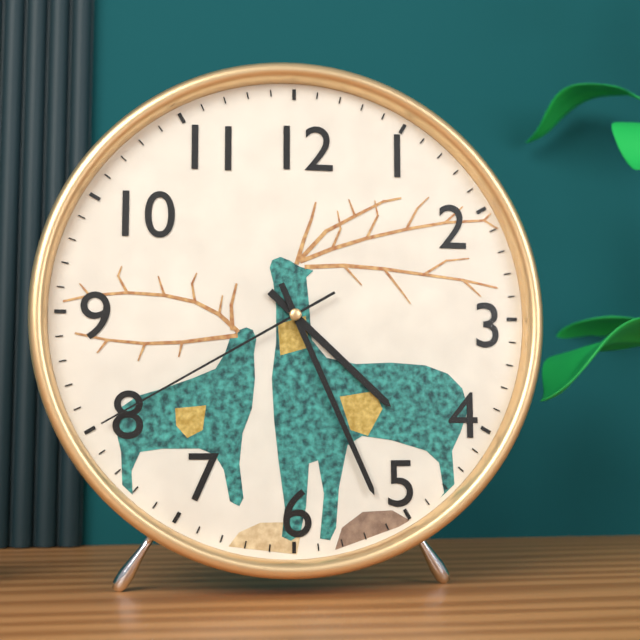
4:26:40
